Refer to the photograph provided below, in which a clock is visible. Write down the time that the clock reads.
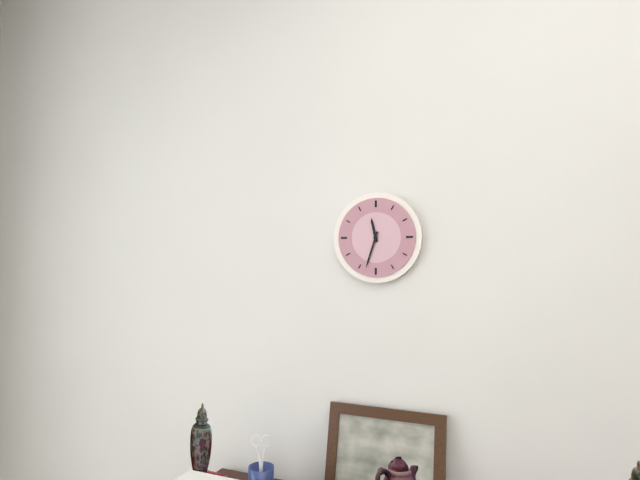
11:33
